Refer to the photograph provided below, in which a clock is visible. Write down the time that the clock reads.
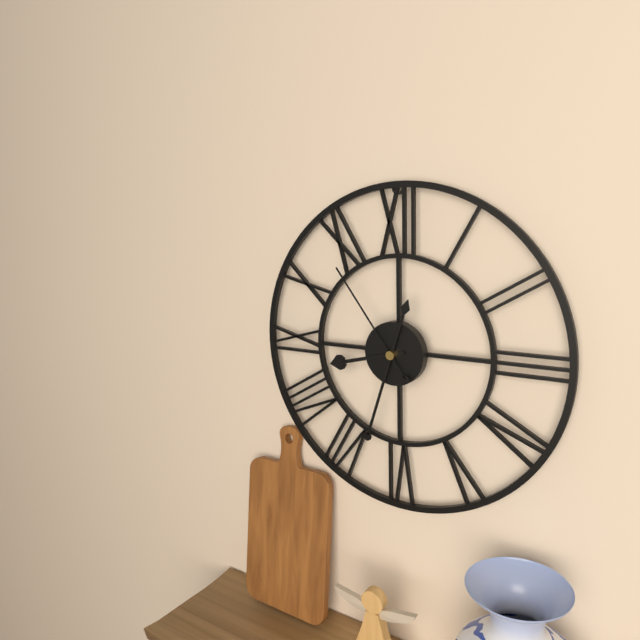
8:33:54
